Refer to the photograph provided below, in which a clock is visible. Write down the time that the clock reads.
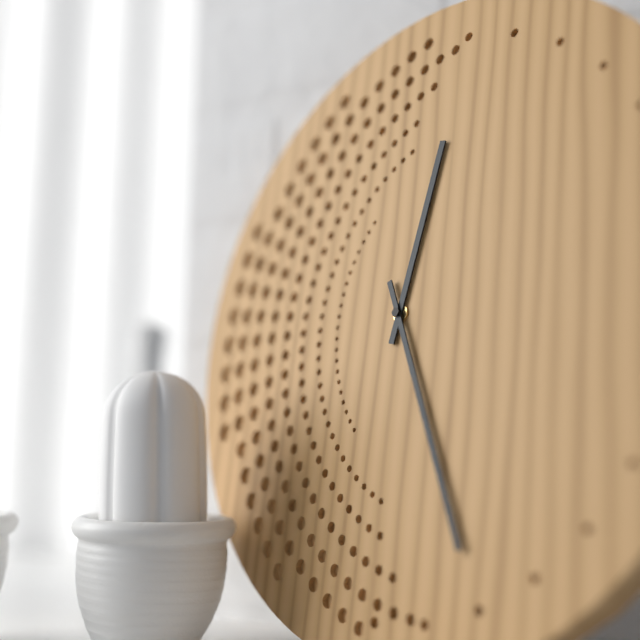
12:26
